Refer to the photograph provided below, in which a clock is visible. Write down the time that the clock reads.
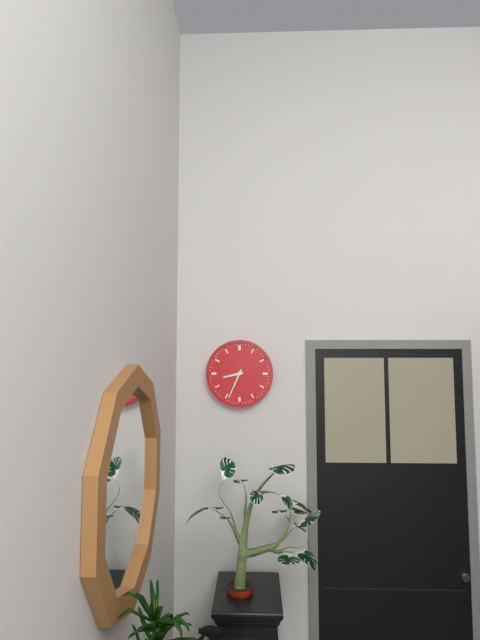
8:34
